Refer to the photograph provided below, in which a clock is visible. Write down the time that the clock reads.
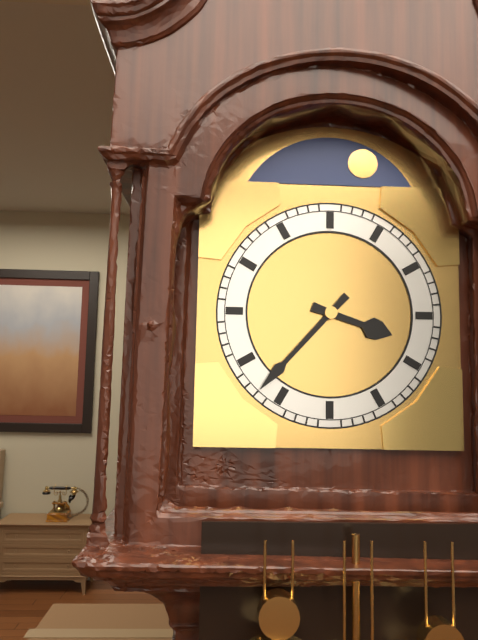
3:37
